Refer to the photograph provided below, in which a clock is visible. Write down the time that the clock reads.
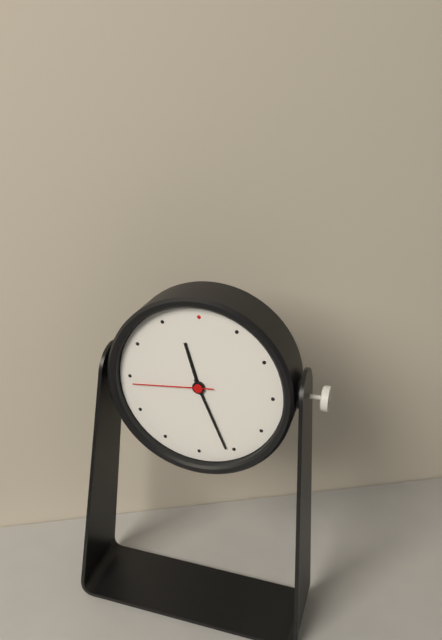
11:26:44
